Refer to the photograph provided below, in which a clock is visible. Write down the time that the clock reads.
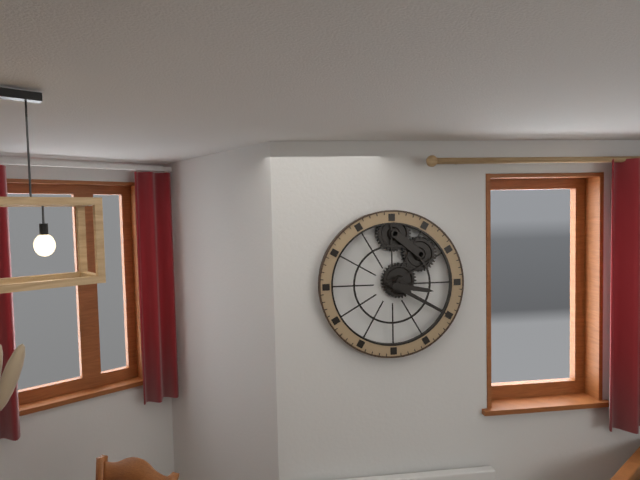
3:20
